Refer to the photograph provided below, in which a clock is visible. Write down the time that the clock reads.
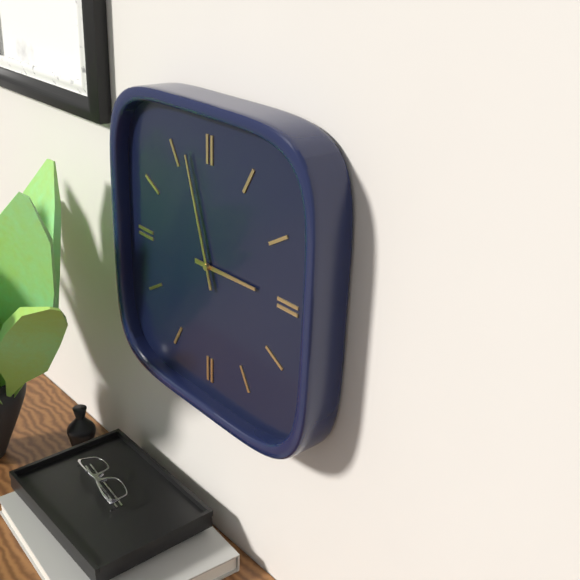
2:57
